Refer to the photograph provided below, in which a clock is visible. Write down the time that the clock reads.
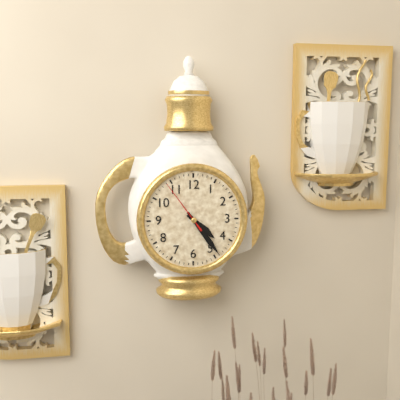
4:24:54
